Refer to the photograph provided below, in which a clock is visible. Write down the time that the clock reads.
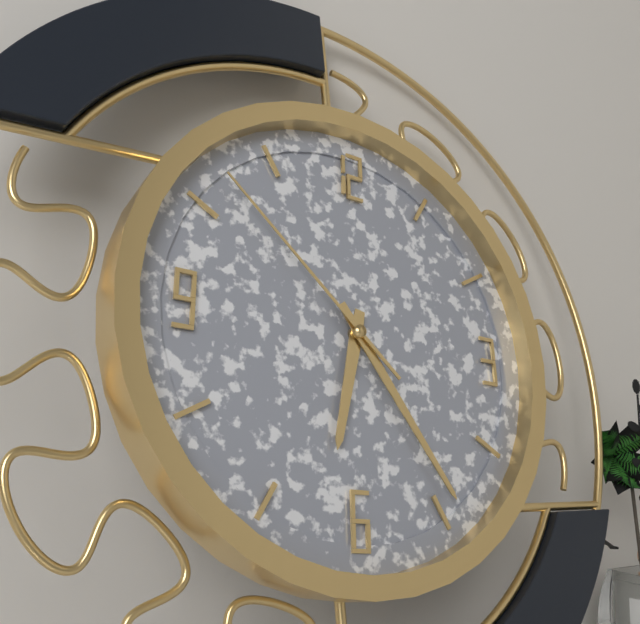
6:24:52
